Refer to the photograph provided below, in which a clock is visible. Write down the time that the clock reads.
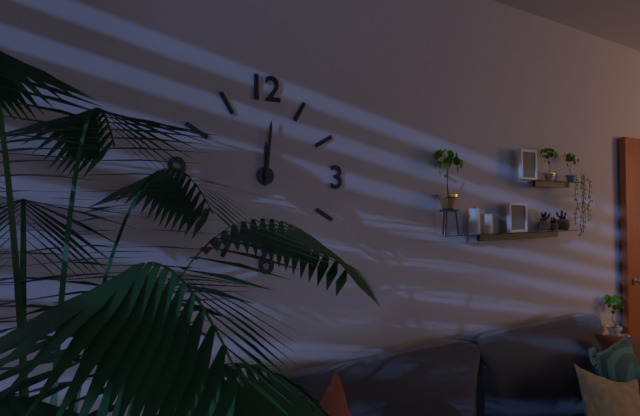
12:01
